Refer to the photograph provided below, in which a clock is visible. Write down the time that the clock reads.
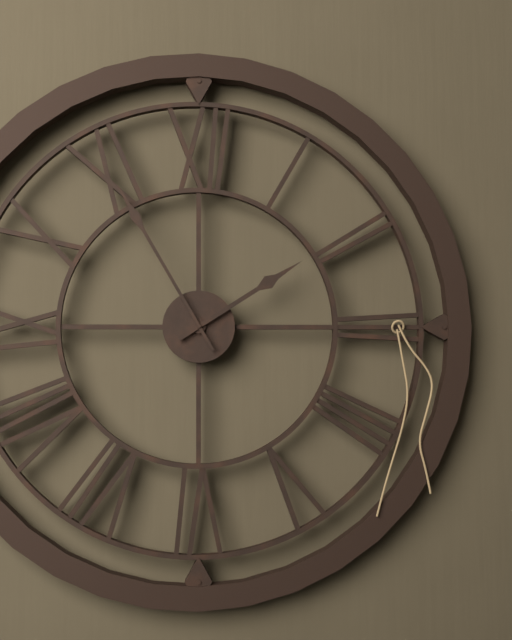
1:55
